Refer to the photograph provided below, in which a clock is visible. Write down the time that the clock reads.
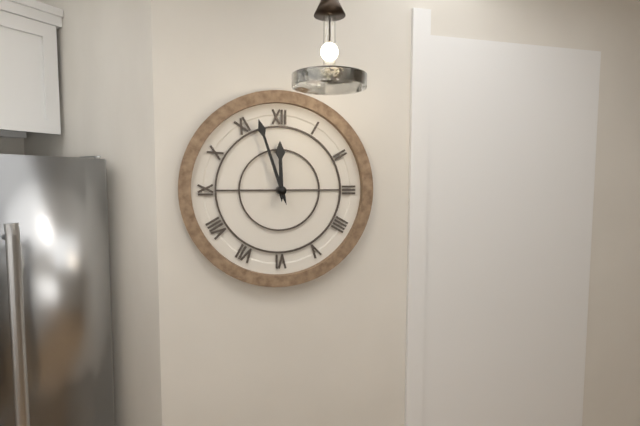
11:57
